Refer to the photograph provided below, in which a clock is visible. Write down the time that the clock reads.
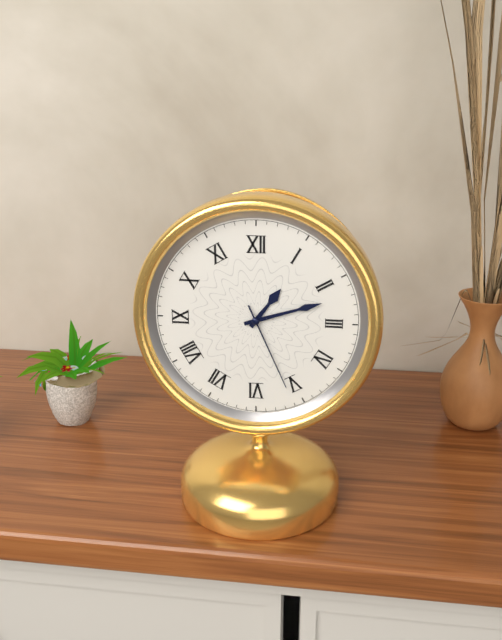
1:12:26
